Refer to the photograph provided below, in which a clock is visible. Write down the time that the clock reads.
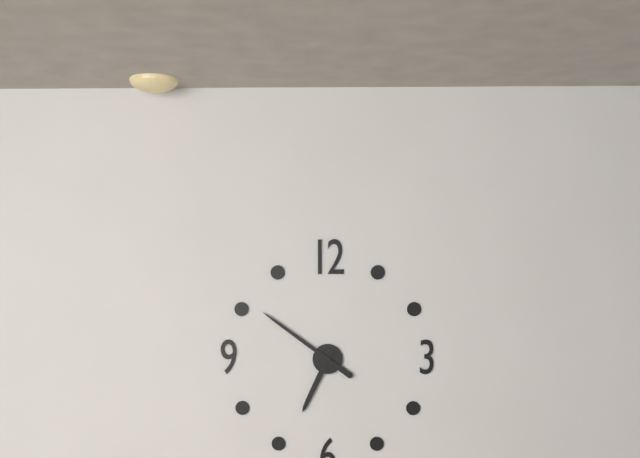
6:51
